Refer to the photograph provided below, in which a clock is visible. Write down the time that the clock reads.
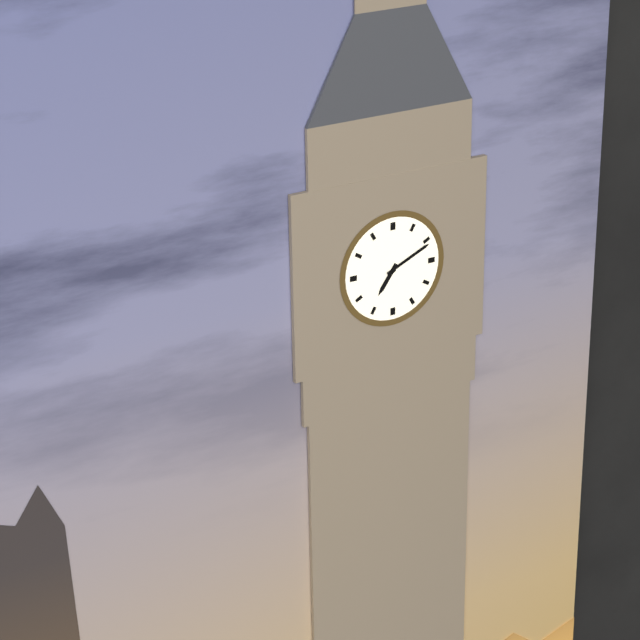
7:11
